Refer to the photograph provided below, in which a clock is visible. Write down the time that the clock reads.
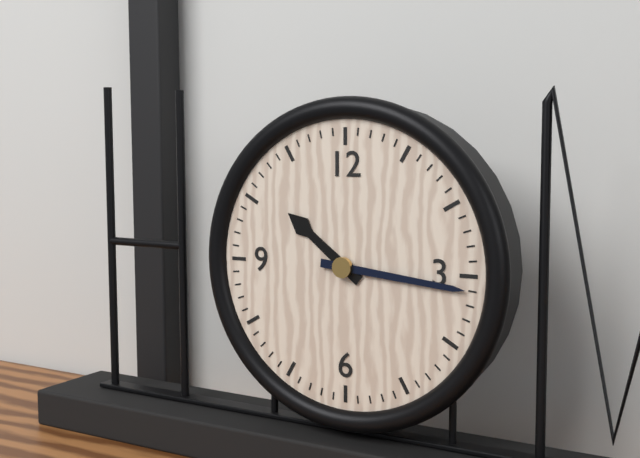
10:16
